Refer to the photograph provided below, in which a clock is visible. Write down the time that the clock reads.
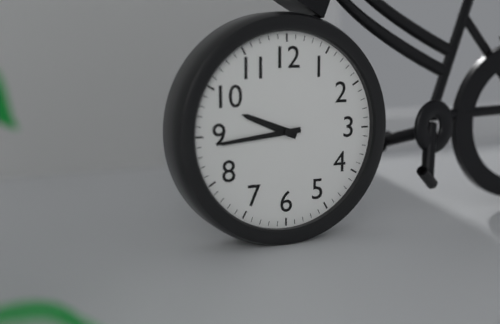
9:44
